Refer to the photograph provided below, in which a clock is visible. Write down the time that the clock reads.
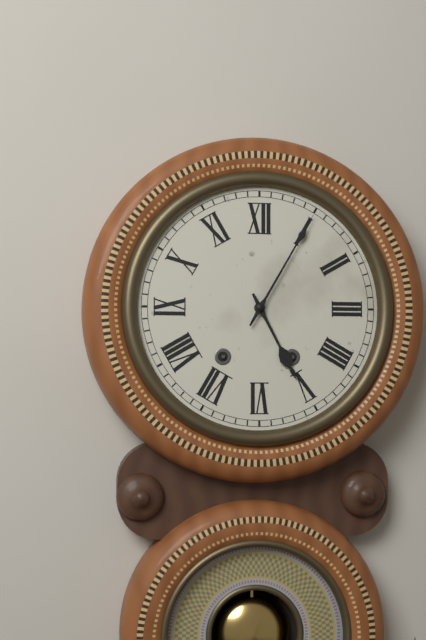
5:05
